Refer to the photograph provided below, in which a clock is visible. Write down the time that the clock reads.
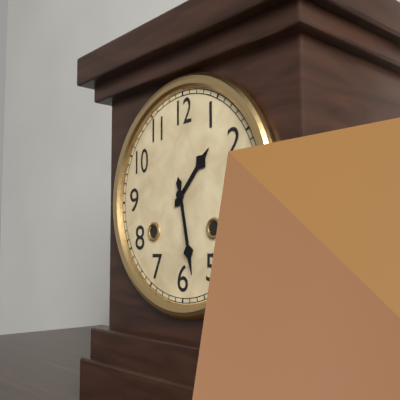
1:28
